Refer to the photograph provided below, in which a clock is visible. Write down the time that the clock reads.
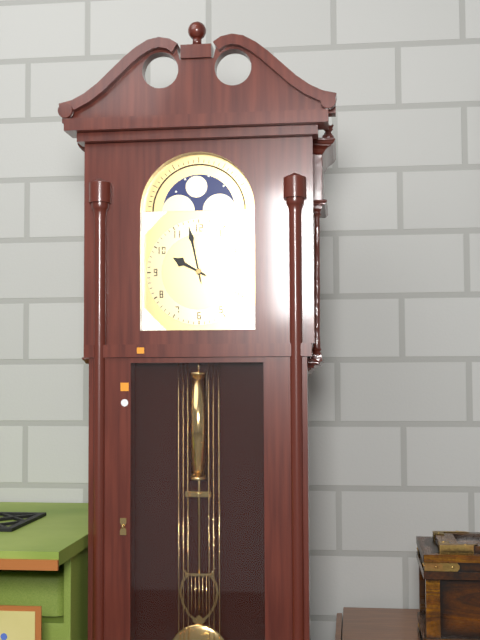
9:58
